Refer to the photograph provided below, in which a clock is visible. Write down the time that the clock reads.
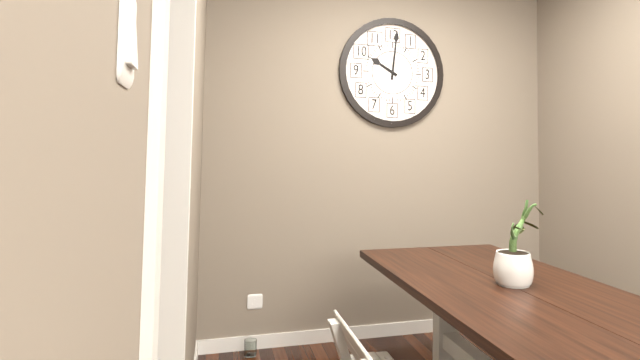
10:01
